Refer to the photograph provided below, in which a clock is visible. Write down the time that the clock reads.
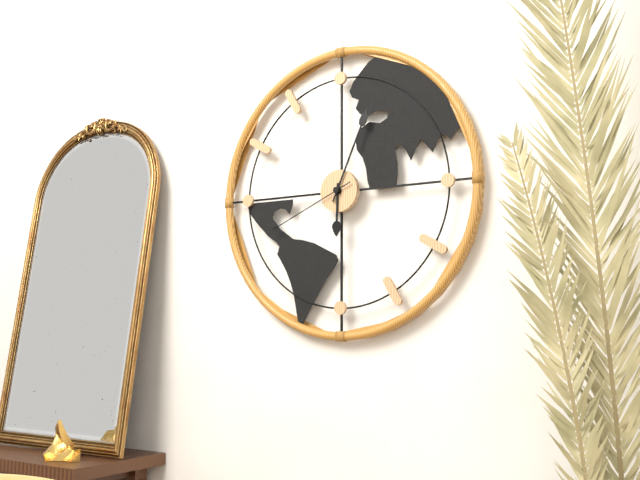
6:04:41
